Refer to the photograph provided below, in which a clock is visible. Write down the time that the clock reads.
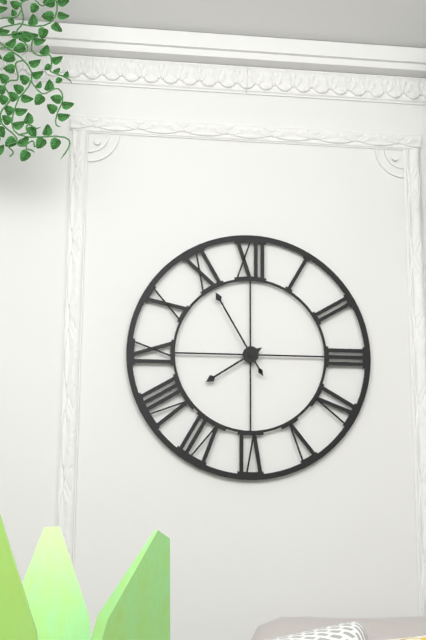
7:55
